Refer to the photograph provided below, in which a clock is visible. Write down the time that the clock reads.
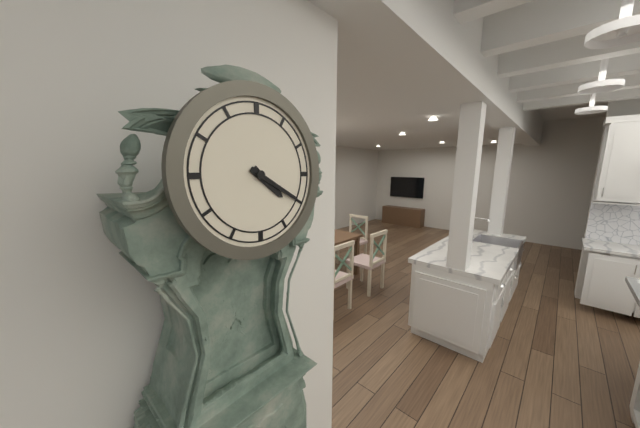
4:20
